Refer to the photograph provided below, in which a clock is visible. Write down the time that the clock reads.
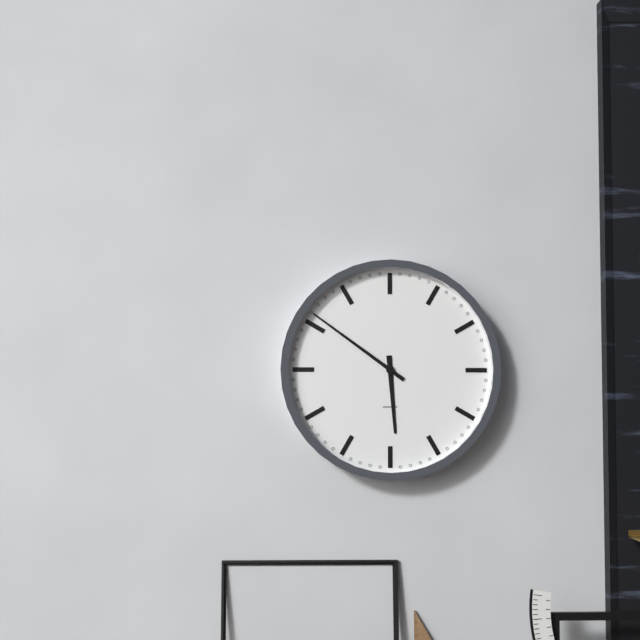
5:51
